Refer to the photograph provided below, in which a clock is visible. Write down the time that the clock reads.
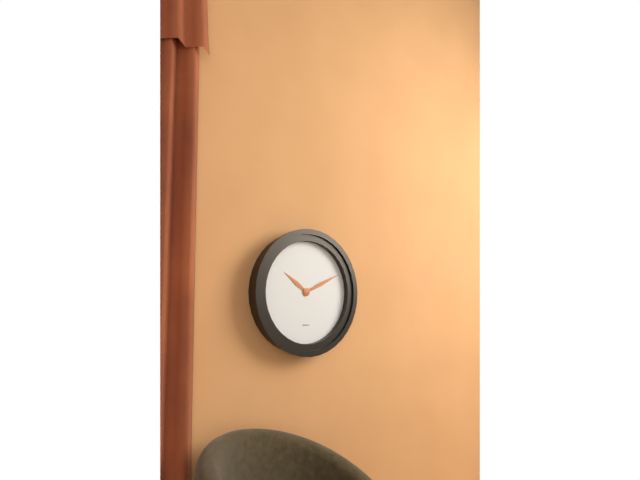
10:11
